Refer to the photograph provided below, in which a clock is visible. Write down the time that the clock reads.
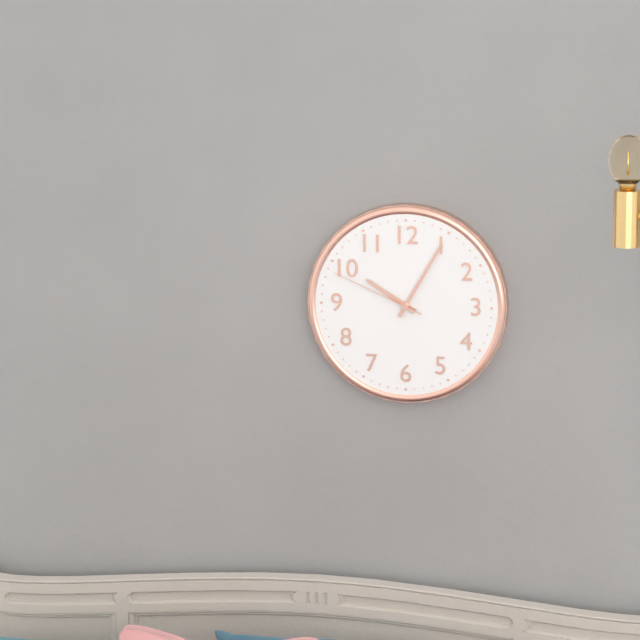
10:05:49
